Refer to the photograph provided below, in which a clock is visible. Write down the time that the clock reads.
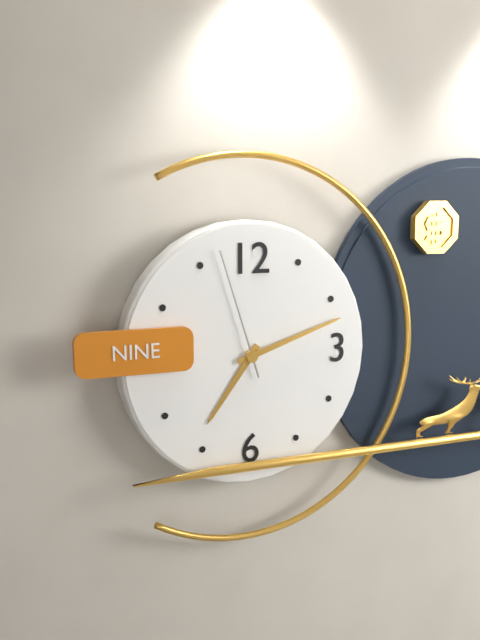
7:12:57
